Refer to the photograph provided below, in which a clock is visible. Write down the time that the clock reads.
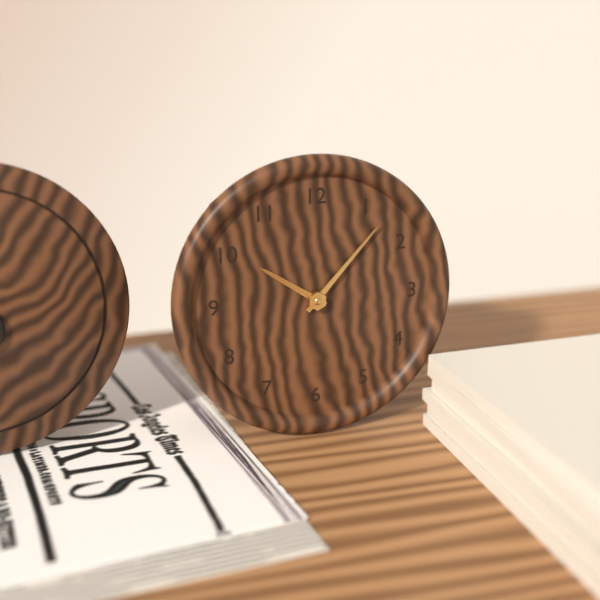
10:07
